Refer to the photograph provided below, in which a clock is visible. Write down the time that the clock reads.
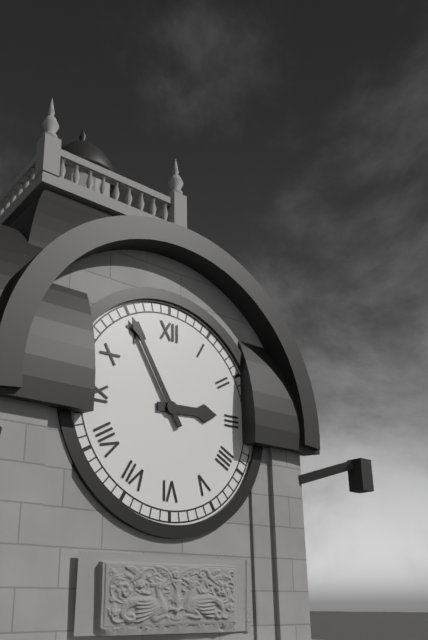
2:55
